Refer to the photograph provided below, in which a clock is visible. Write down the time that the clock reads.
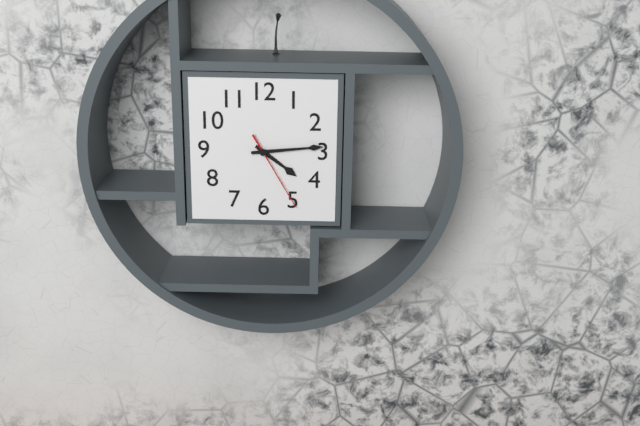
4:14:25
